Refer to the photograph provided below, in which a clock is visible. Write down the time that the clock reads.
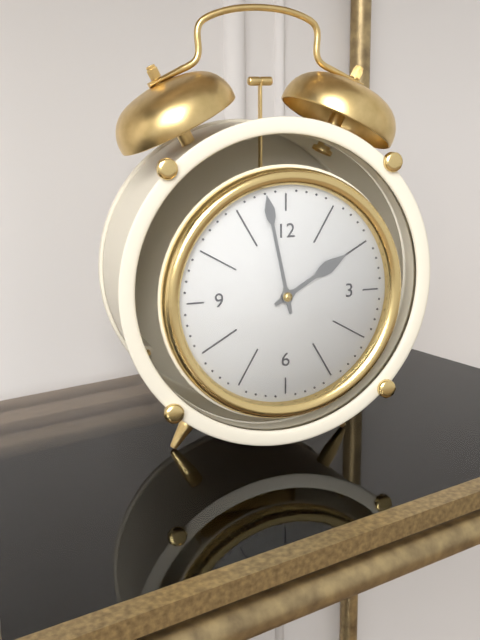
1:58
